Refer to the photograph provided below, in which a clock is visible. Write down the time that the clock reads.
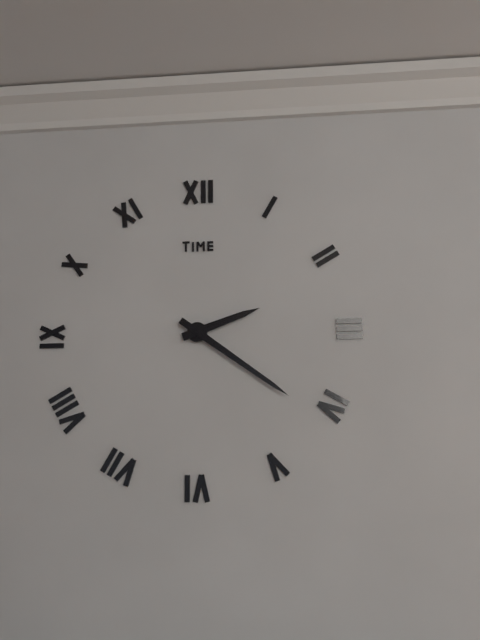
2:21
